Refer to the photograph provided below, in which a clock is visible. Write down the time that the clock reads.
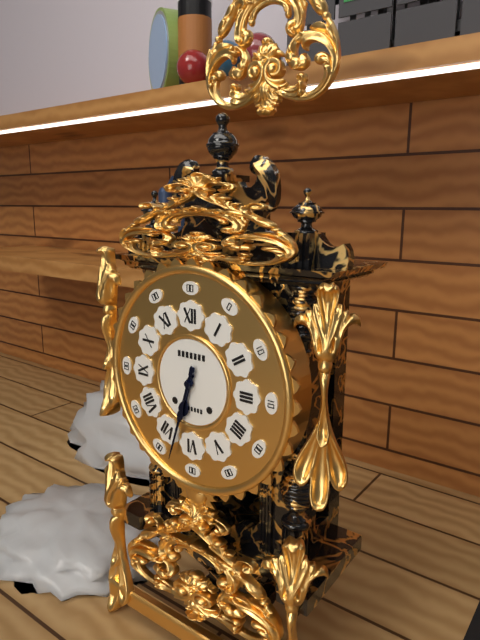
6:33
